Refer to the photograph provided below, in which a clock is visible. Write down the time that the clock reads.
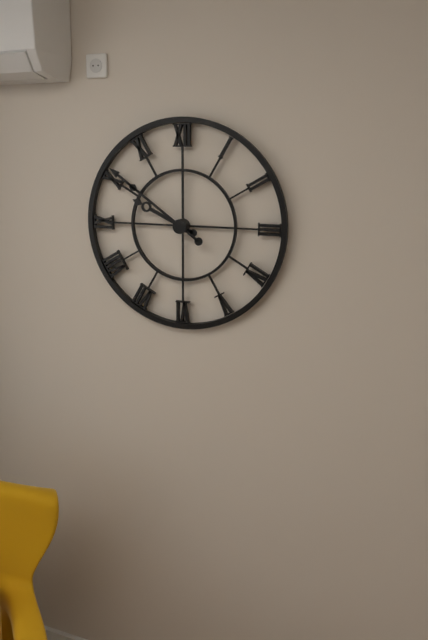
9:51
